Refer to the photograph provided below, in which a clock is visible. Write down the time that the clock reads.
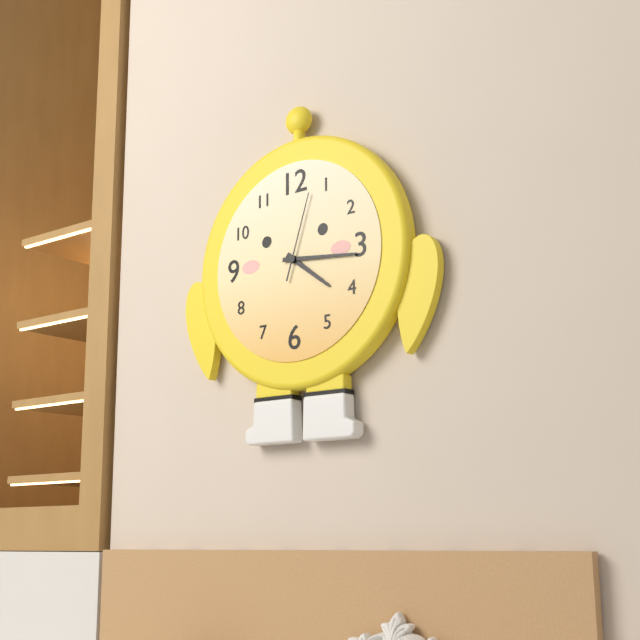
4:16:03
